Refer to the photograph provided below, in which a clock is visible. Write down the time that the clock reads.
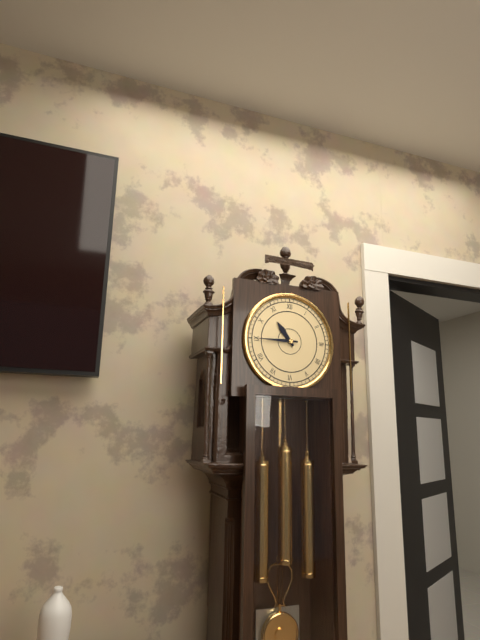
10:45
